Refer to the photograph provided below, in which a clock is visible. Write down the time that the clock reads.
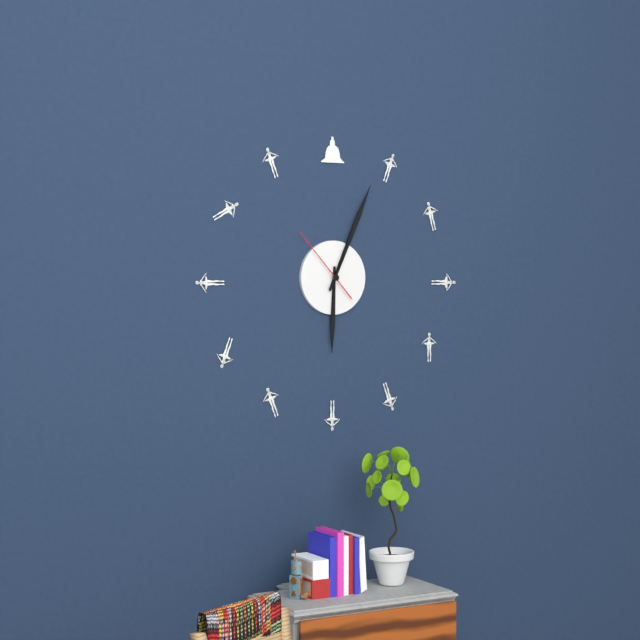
6:04:53
